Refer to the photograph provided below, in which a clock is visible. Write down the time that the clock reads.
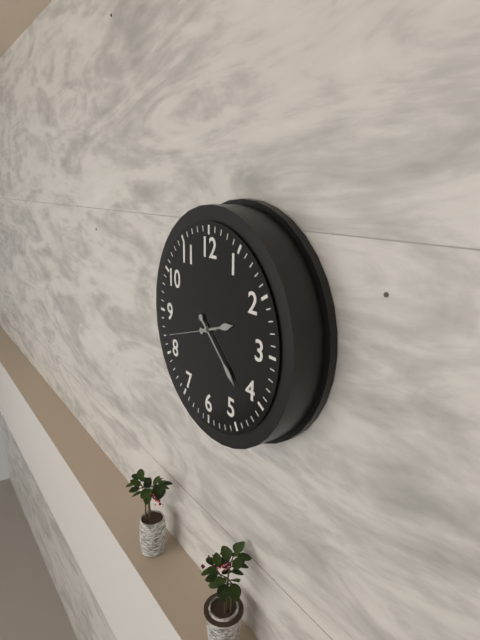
2:22:42
